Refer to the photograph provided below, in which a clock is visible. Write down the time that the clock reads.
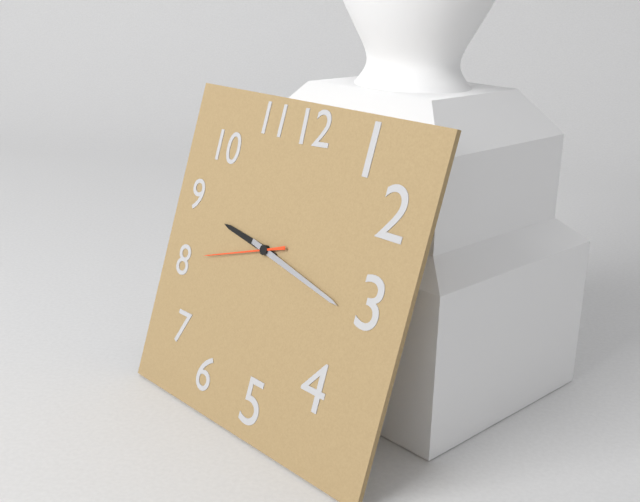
9:17:42
